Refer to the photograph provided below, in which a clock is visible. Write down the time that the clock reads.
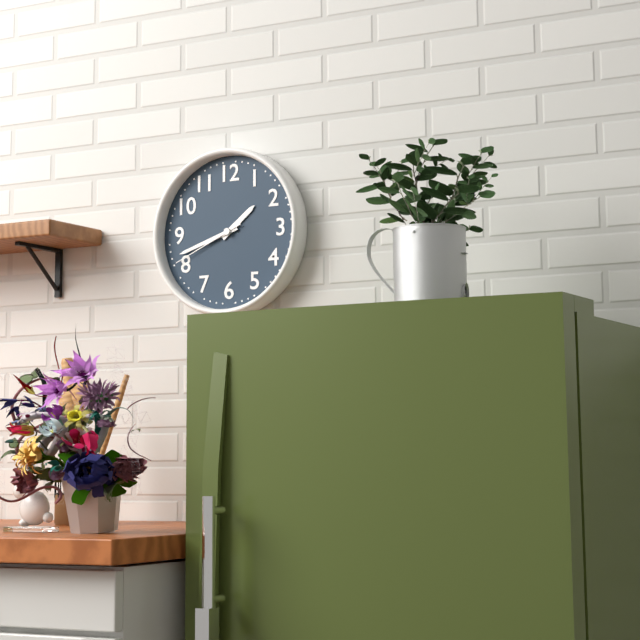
1:42:41
